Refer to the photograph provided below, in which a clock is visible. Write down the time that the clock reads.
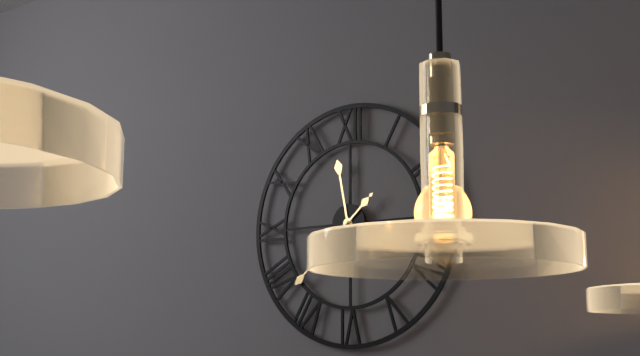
11:38
